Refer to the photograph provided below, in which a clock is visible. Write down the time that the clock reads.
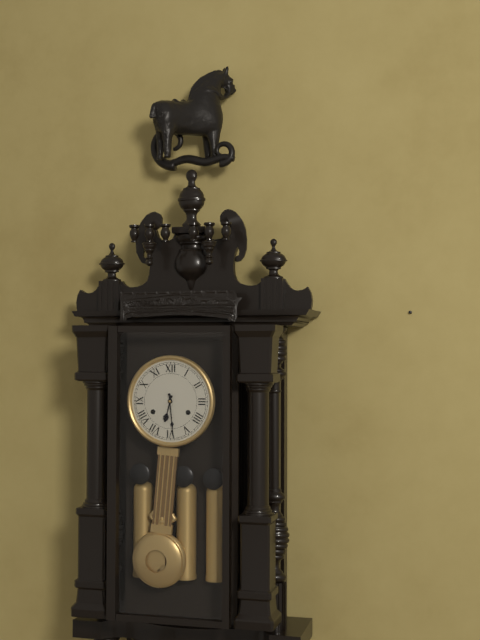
6:29
